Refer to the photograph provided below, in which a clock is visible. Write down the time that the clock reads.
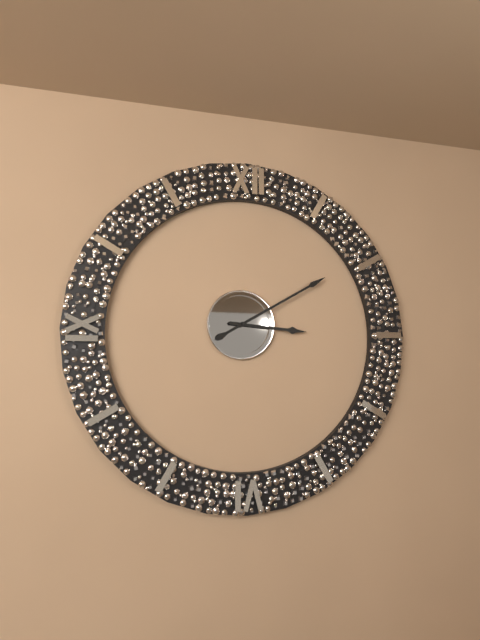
3:10
